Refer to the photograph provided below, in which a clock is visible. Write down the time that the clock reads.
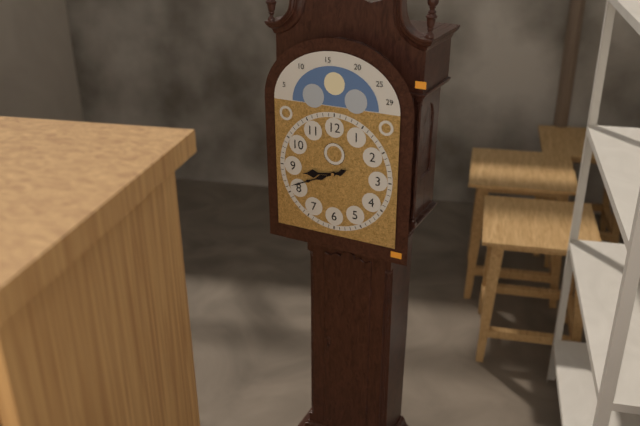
8:41
